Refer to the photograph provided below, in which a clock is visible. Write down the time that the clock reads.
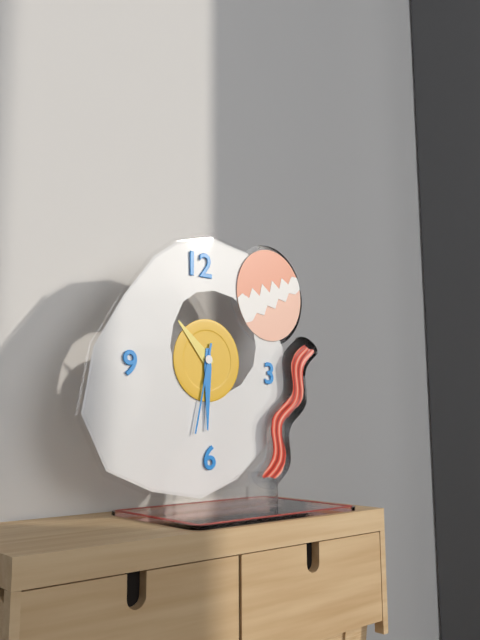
10:30:32
